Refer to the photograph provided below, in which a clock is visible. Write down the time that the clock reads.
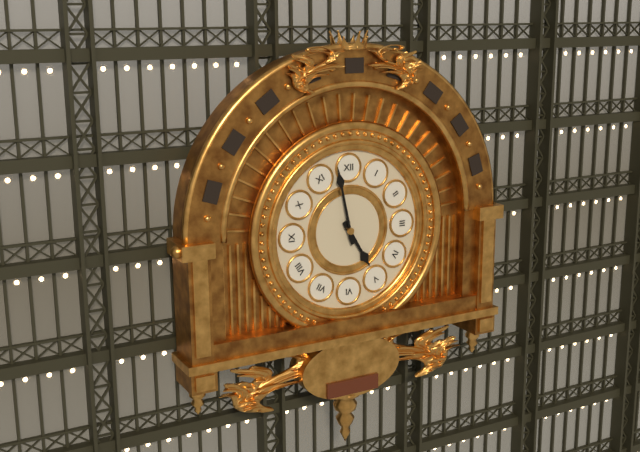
4:58
